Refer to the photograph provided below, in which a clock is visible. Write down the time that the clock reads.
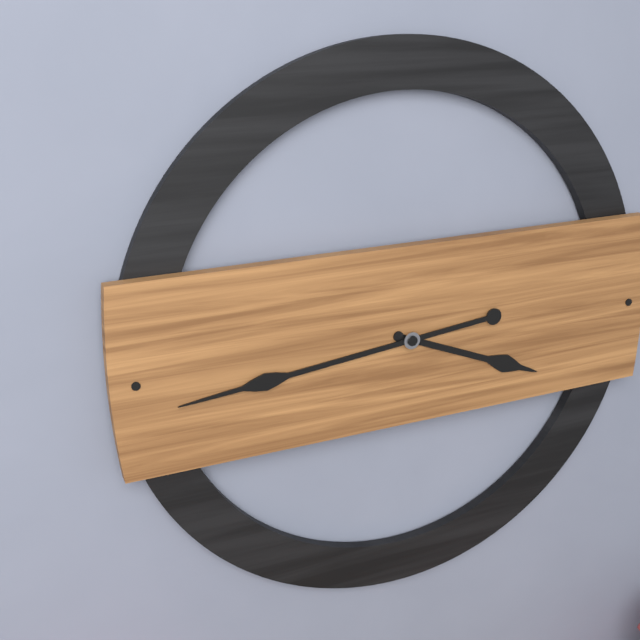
3:44
